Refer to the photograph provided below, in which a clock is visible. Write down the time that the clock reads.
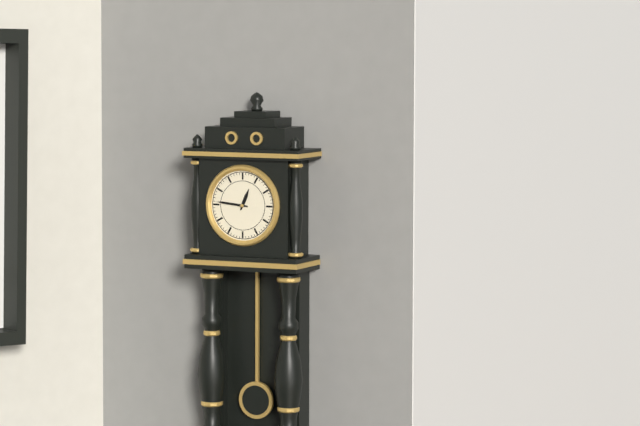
12:46
